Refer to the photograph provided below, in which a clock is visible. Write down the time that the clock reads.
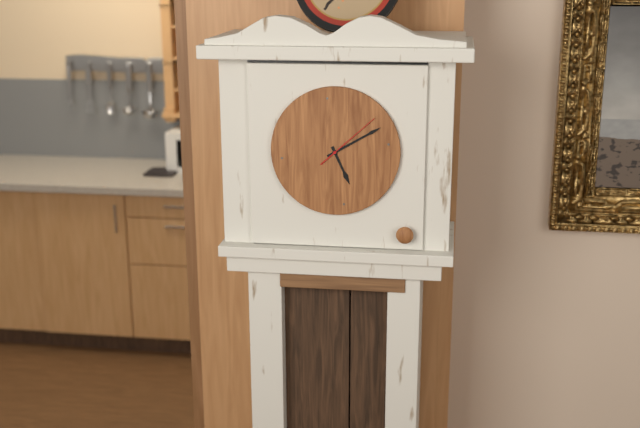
5:10:08
